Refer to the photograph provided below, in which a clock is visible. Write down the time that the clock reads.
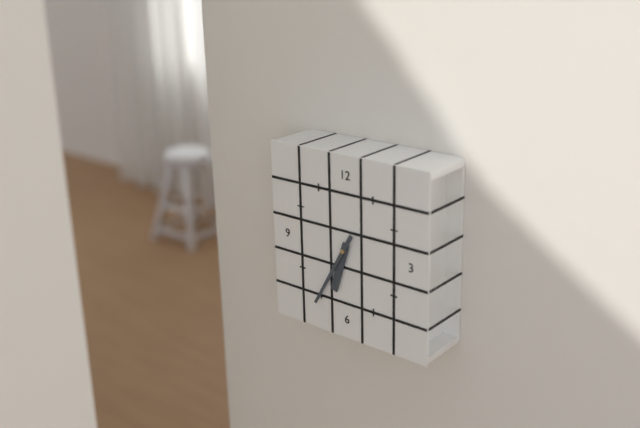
6:35
